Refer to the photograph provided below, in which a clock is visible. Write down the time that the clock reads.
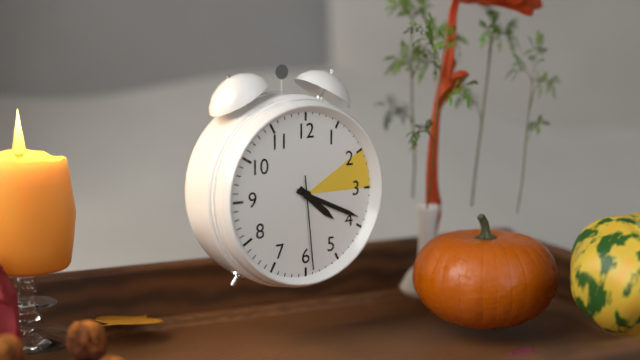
4:19:29
